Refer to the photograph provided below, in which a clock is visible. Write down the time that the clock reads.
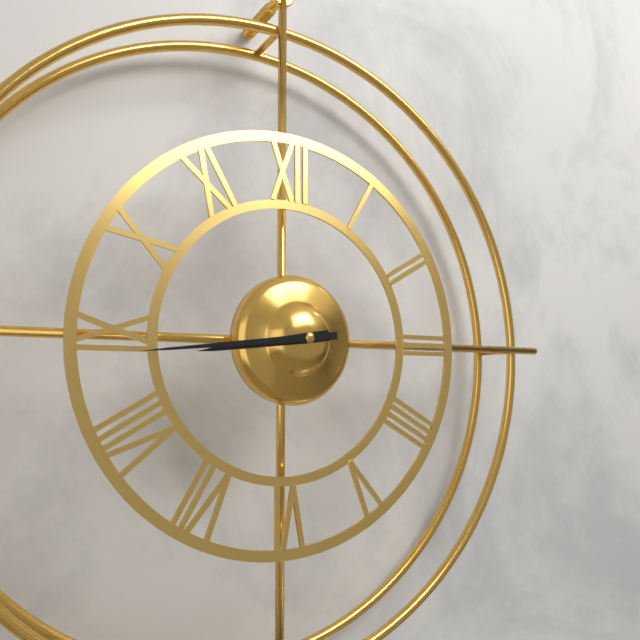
8:44
